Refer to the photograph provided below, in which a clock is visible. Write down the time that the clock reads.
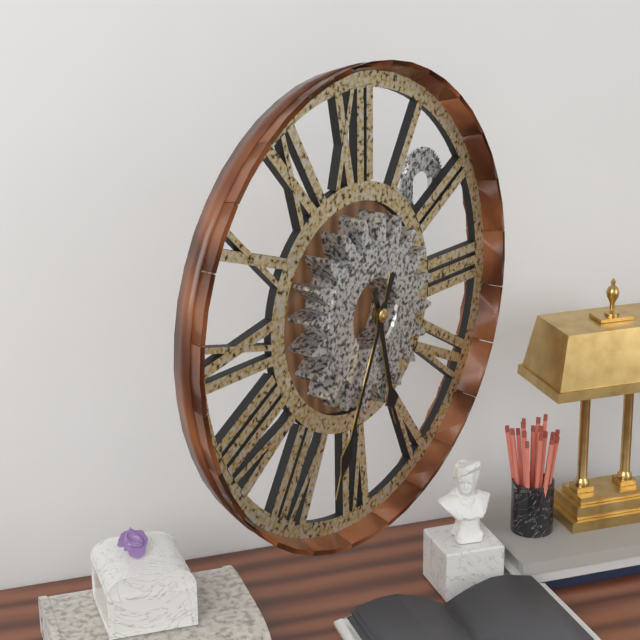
5:34
